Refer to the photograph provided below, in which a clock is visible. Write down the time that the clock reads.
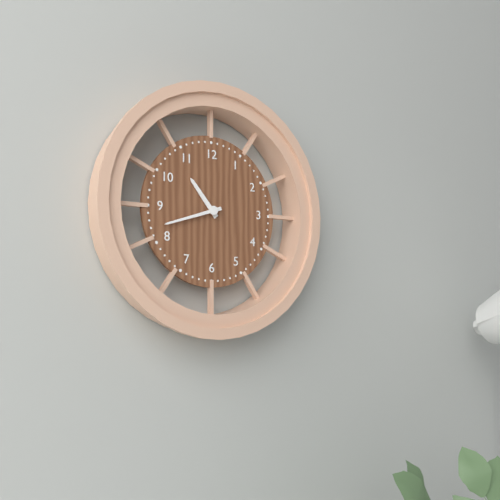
10:42
